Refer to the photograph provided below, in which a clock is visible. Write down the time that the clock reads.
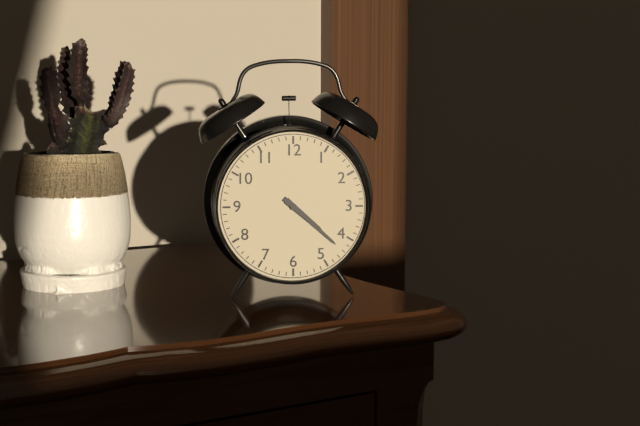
4:22
